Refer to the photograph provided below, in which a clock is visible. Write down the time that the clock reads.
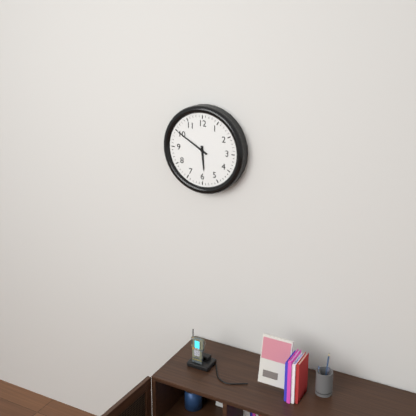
5:50
